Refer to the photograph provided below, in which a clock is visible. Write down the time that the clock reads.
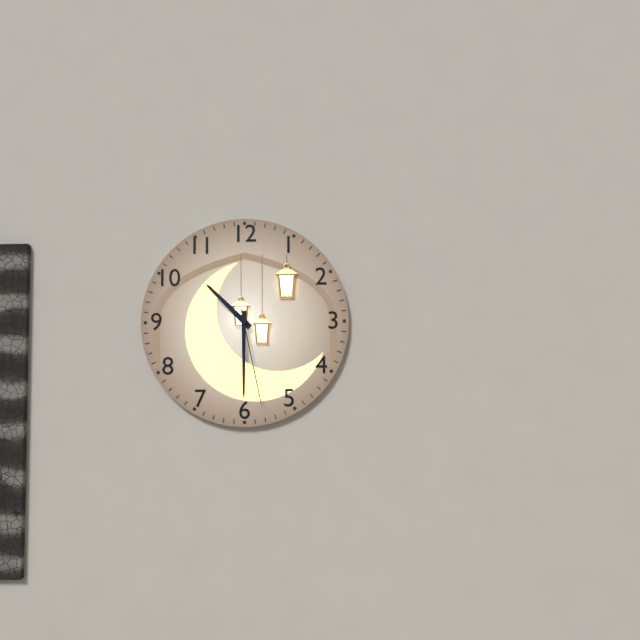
10:30:28
